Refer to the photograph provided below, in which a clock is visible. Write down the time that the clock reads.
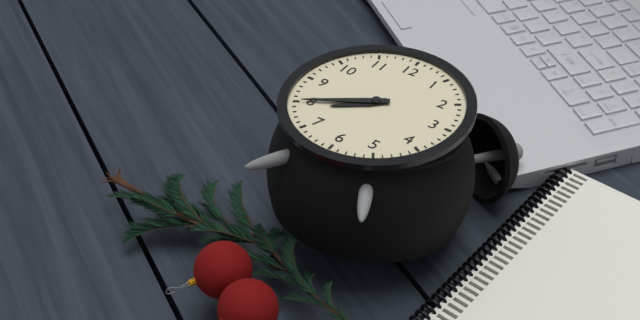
7:40
